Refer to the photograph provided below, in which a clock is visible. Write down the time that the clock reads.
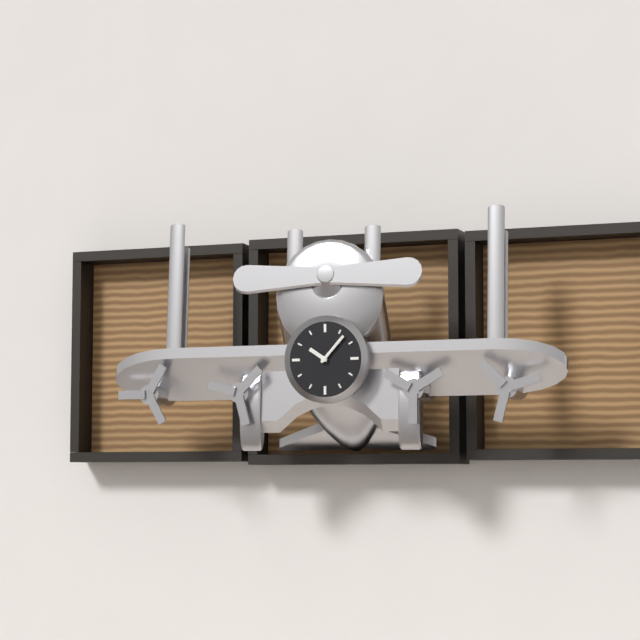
10:07
